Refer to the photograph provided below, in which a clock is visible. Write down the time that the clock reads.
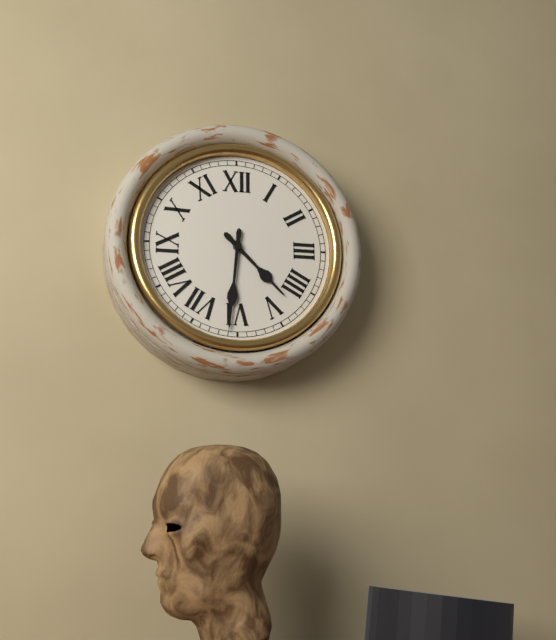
4:31
